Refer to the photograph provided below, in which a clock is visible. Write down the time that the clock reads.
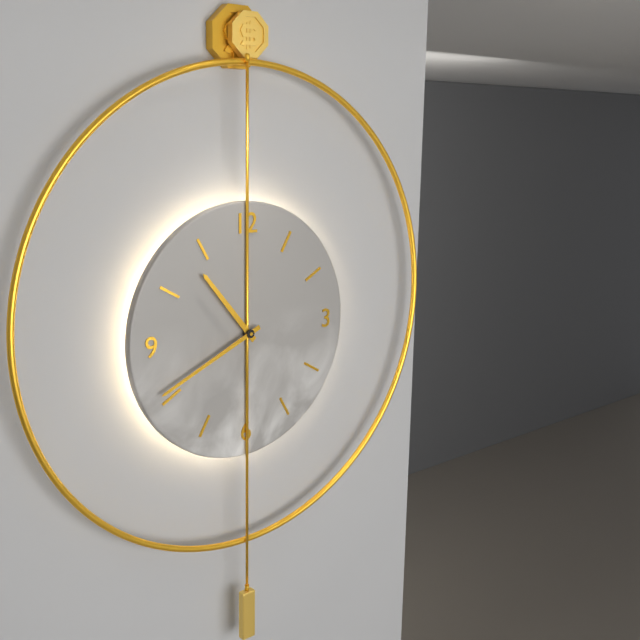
10:41
